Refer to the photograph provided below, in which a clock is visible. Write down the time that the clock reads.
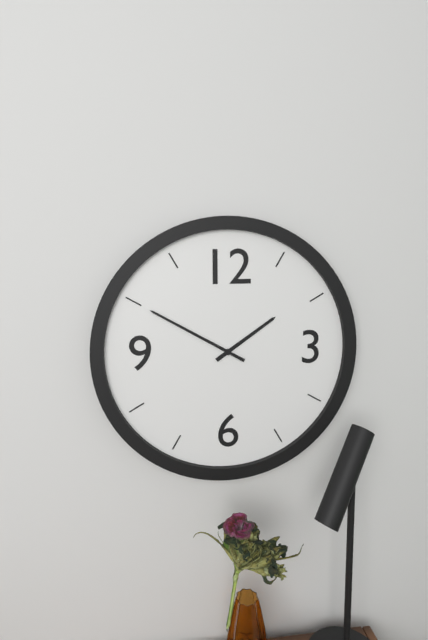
1:50
